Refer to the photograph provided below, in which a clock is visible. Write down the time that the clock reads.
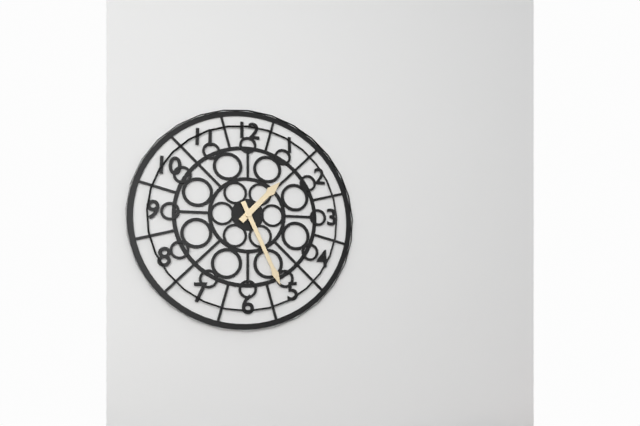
1:26
